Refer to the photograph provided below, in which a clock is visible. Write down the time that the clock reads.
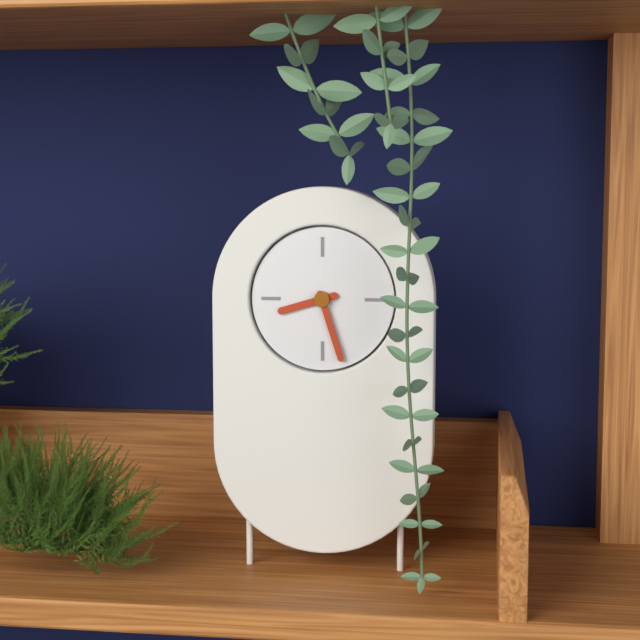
8:27
